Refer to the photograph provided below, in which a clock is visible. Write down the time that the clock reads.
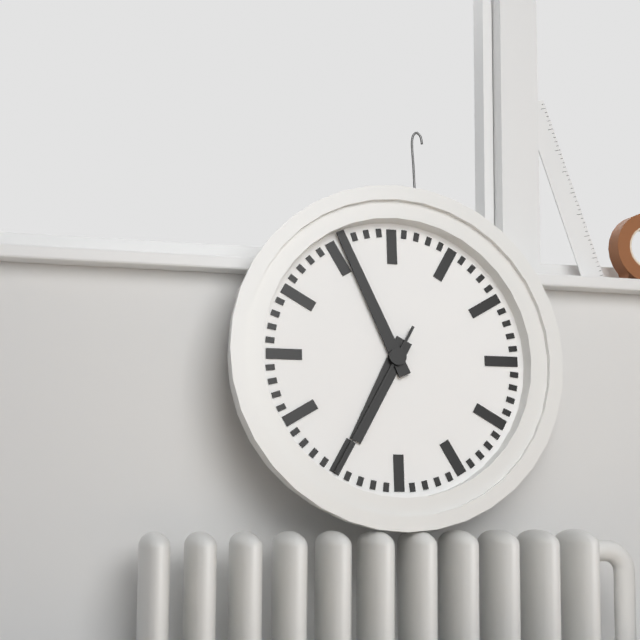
6:56:35
